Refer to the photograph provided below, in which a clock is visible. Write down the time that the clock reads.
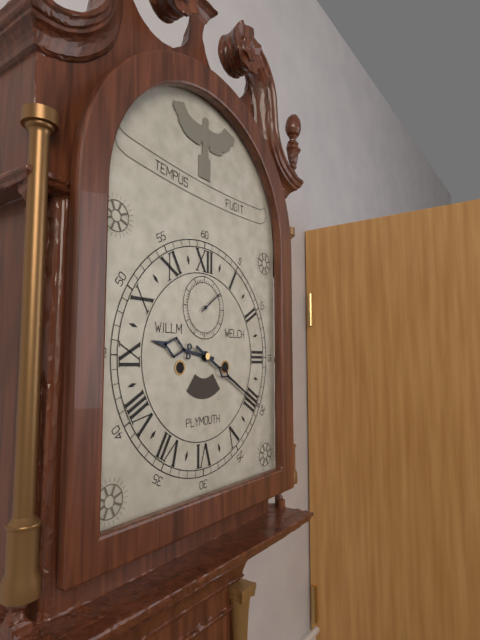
9:20
